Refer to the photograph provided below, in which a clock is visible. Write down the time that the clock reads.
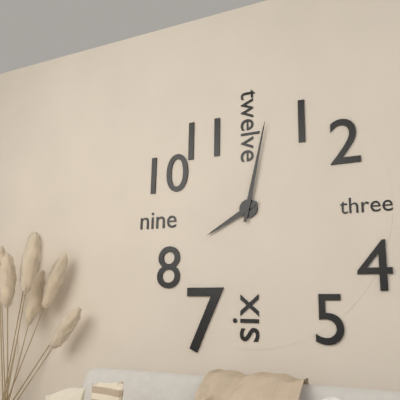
8:02
